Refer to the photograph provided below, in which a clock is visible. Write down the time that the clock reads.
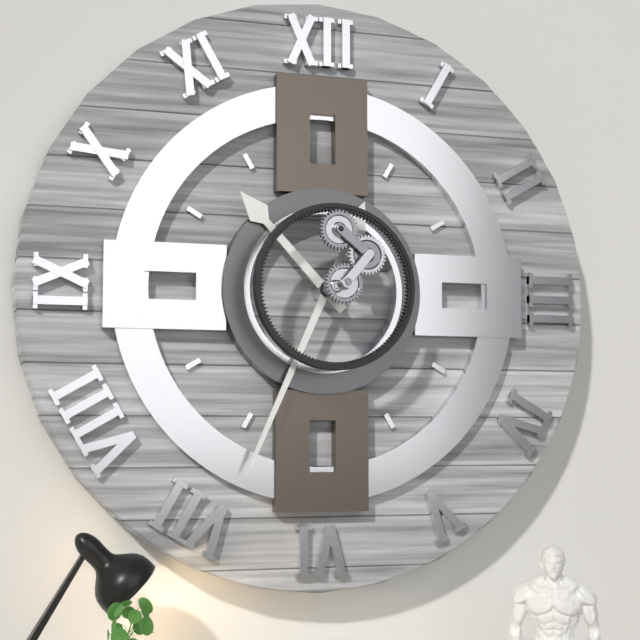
10:34
